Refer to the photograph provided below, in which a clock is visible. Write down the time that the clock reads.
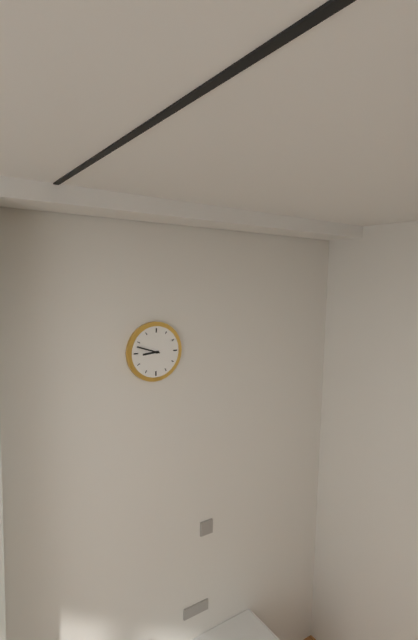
8:48
